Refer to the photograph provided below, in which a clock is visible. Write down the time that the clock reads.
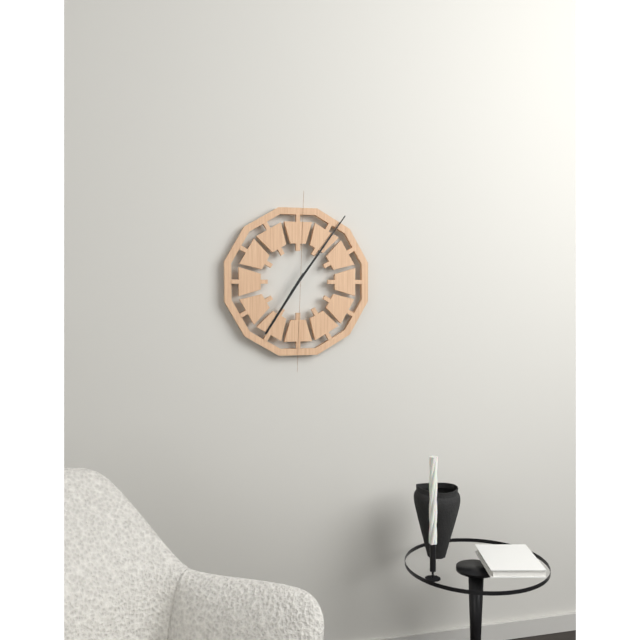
7:06
